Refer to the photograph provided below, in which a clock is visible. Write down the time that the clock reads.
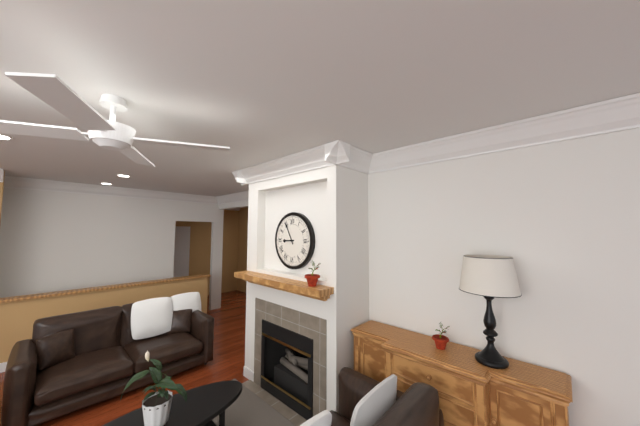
8:55
